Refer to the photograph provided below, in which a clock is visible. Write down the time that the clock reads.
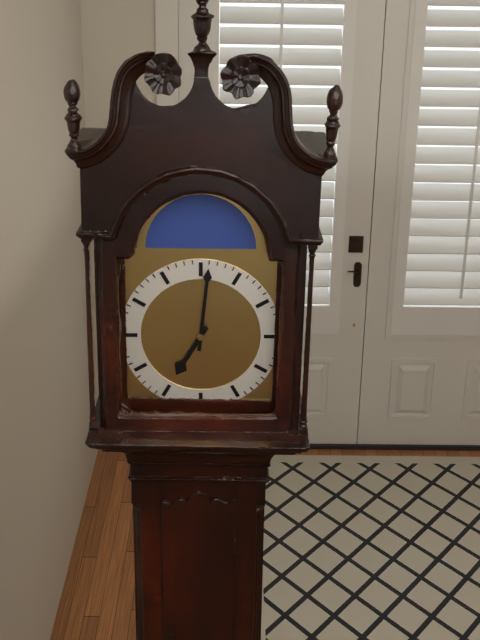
7:01
